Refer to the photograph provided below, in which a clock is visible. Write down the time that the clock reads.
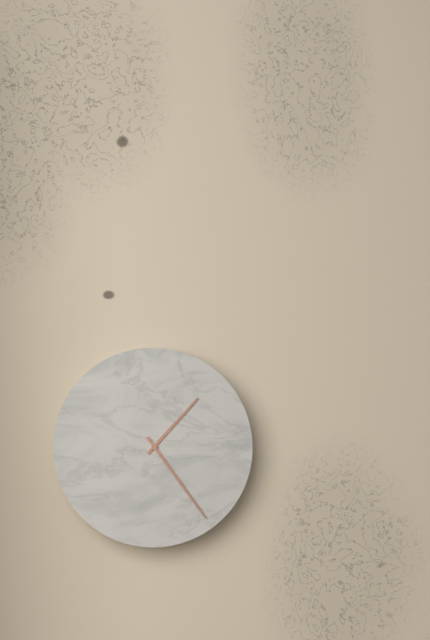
1:24
